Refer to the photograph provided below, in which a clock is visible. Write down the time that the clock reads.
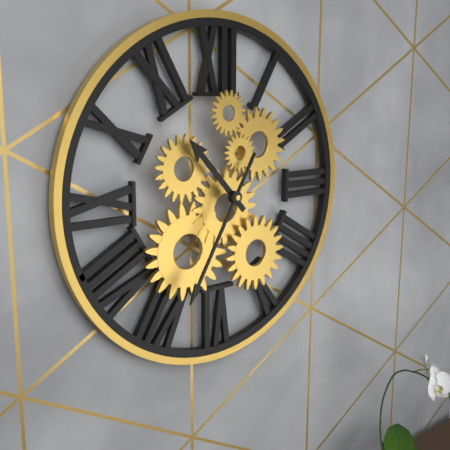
10:35
